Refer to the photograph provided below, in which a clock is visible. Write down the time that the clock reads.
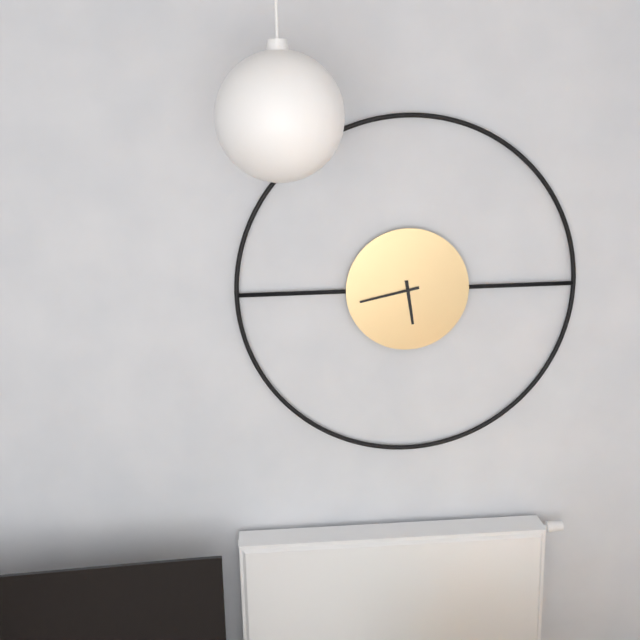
5:43
